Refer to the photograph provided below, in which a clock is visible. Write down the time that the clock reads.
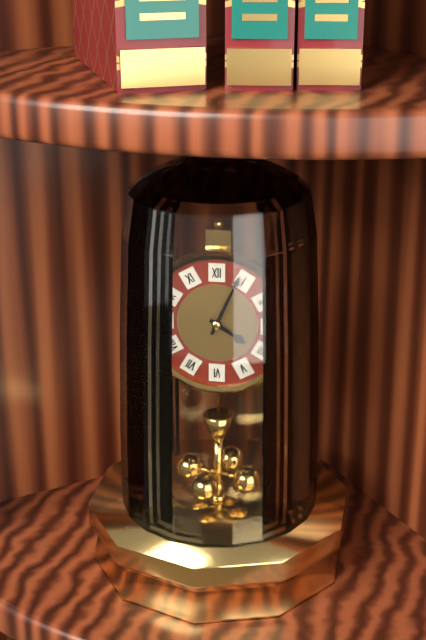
4:04
